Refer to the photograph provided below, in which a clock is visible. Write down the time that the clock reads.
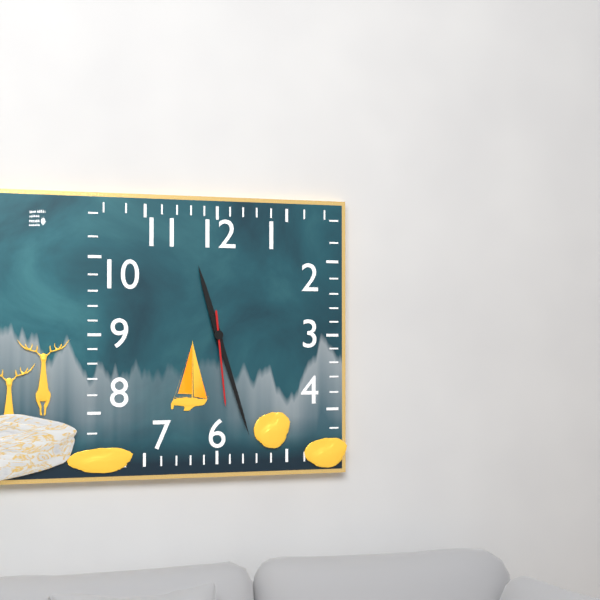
11:27:29
